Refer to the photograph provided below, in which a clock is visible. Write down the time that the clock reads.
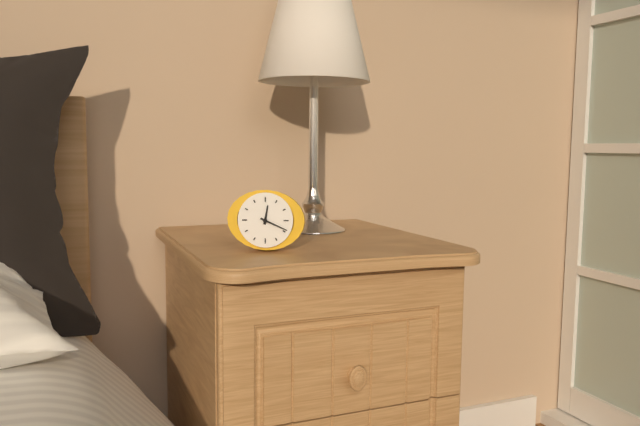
12:19
